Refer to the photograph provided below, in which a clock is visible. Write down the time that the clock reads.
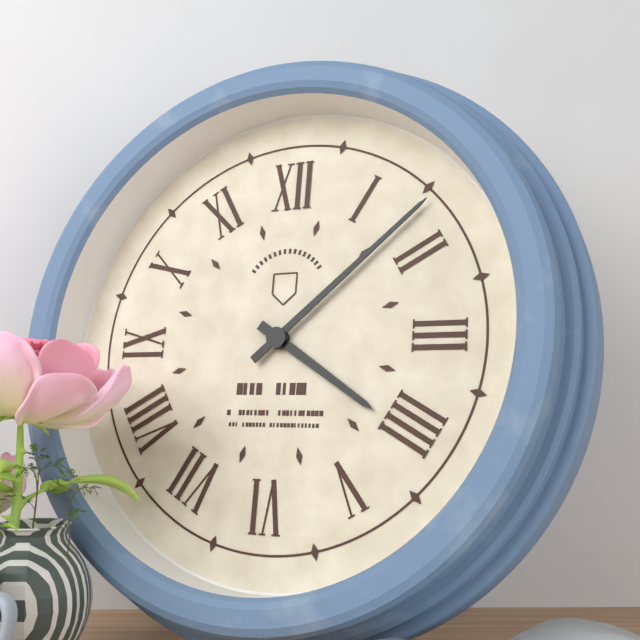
4:08
